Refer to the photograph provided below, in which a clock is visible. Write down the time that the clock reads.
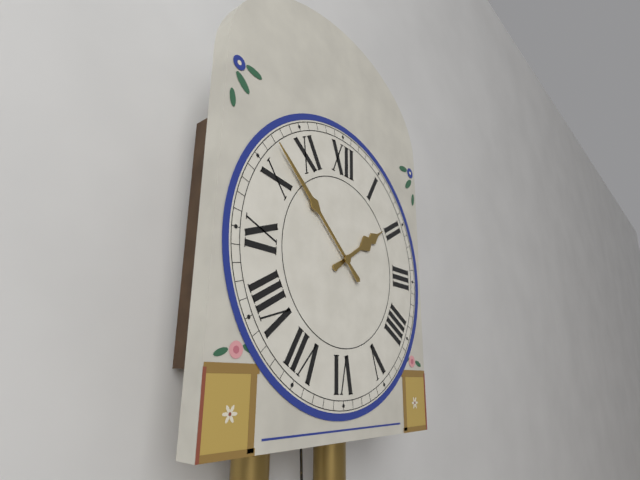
1:52
